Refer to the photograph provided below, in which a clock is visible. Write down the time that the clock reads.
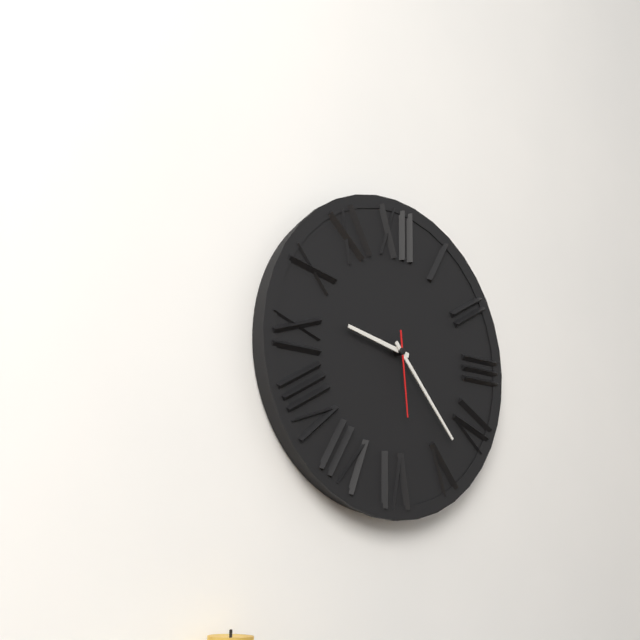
9:23:29
